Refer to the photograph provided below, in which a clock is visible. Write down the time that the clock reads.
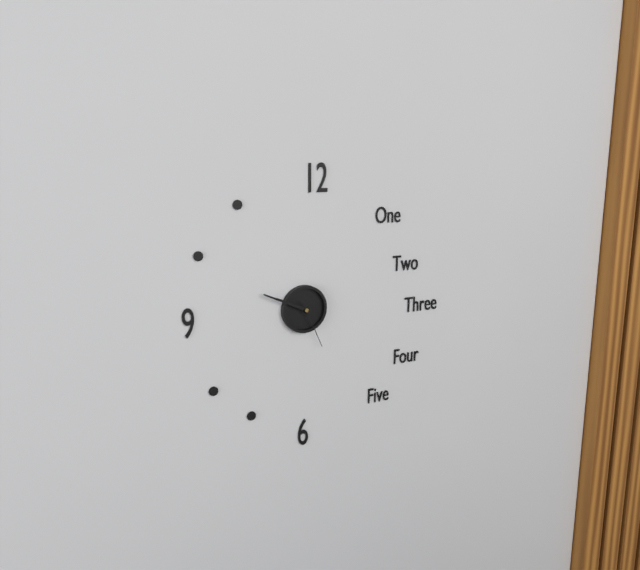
9:49
